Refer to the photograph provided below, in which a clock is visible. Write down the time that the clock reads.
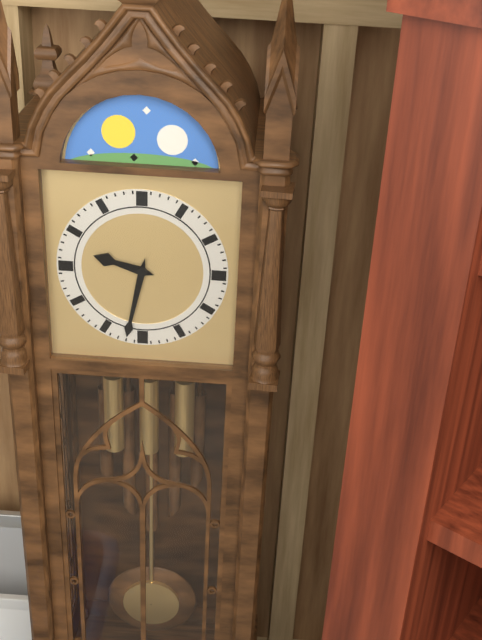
9:32
